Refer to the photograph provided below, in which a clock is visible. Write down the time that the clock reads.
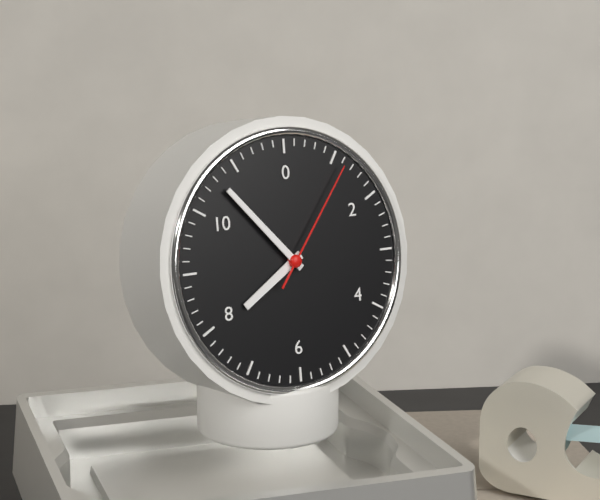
7:53:06
